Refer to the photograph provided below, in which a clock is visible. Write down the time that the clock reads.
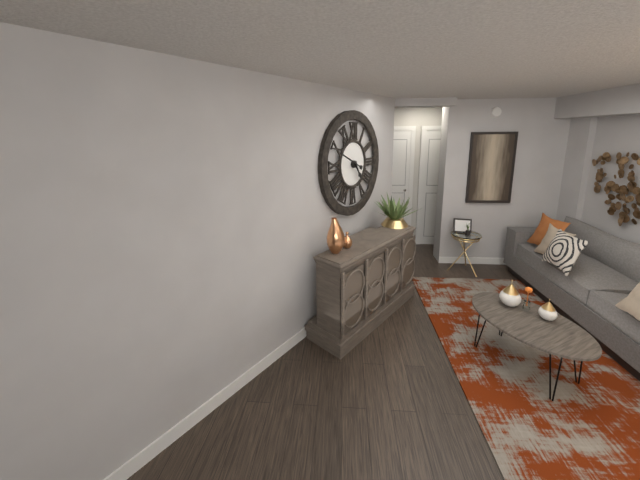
4:49
